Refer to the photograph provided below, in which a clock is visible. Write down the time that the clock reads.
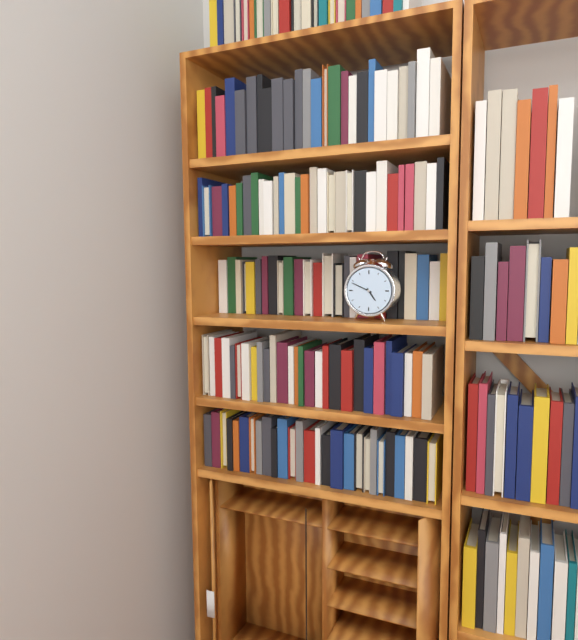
4:49
